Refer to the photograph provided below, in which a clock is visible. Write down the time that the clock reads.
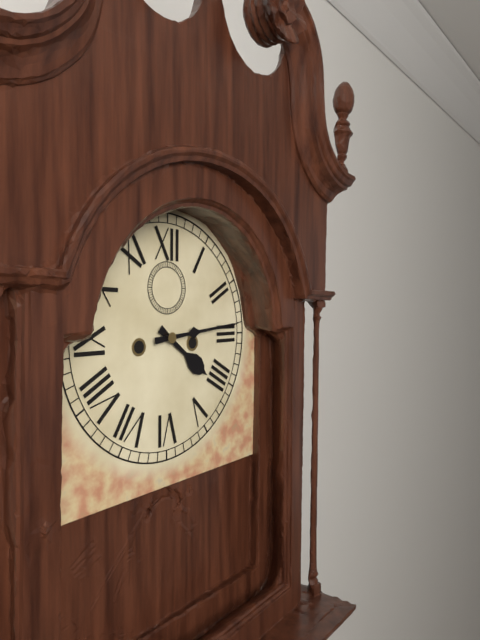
4:14
